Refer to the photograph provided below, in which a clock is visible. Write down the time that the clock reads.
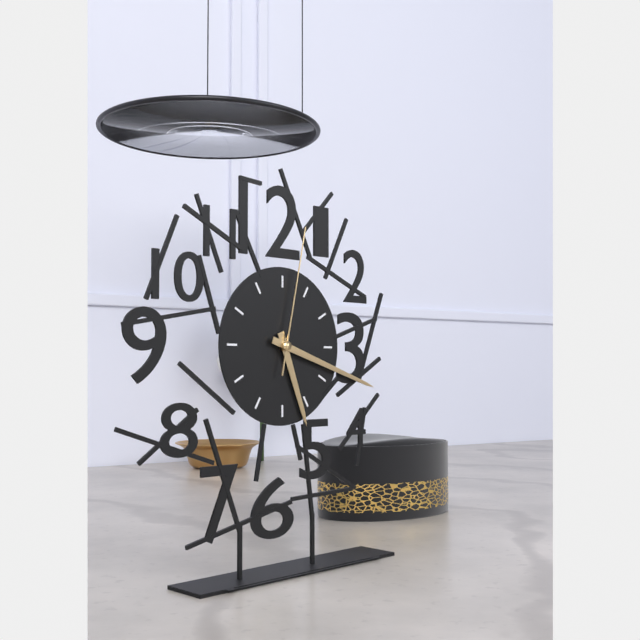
5:18:02
